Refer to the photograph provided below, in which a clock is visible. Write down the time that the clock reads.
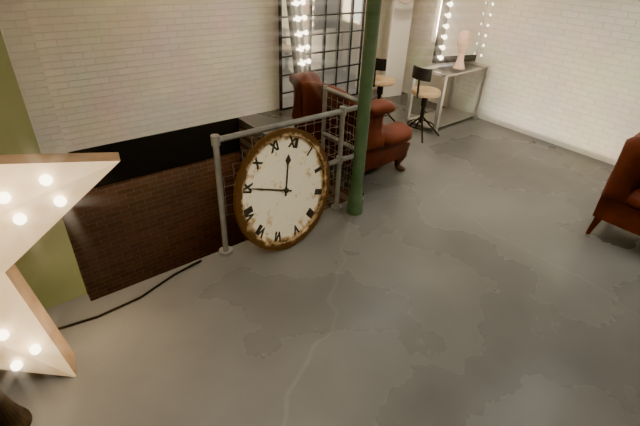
11:45
